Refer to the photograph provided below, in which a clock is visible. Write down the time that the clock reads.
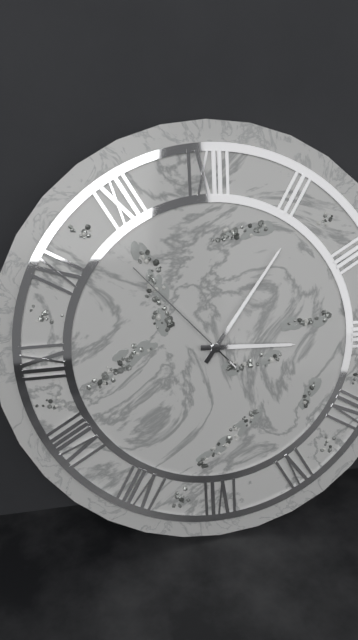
3:06:53
